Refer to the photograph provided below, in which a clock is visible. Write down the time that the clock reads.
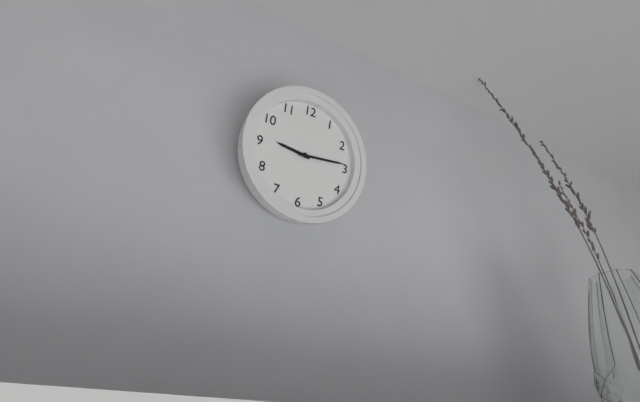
9:14
